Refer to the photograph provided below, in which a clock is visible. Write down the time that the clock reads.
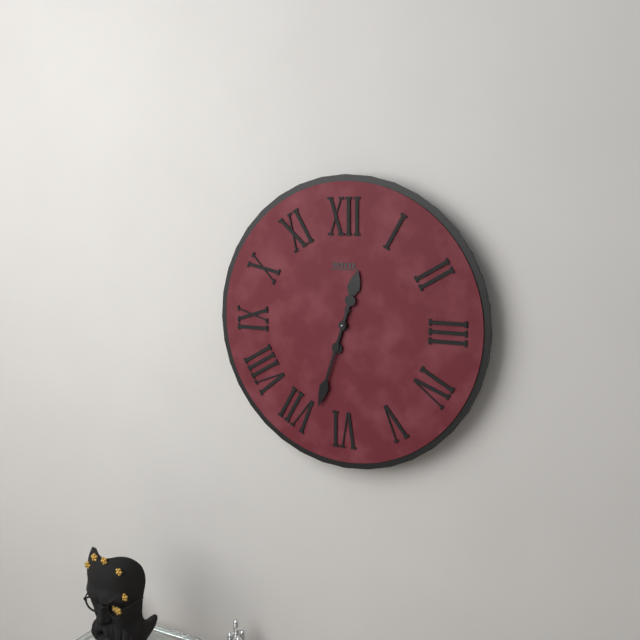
12:33
